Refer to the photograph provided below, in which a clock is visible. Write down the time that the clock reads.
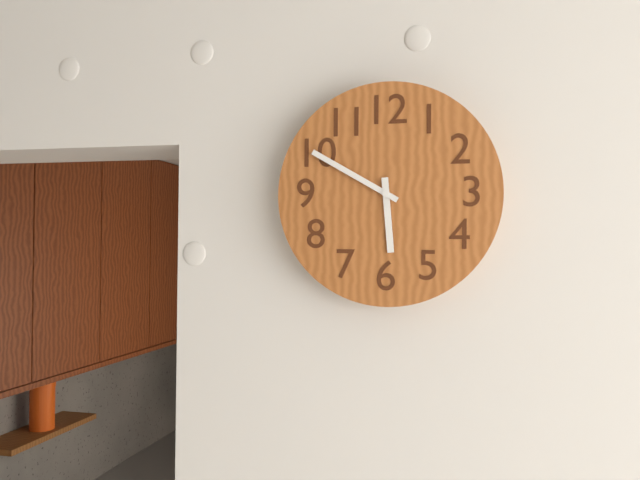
5:50
